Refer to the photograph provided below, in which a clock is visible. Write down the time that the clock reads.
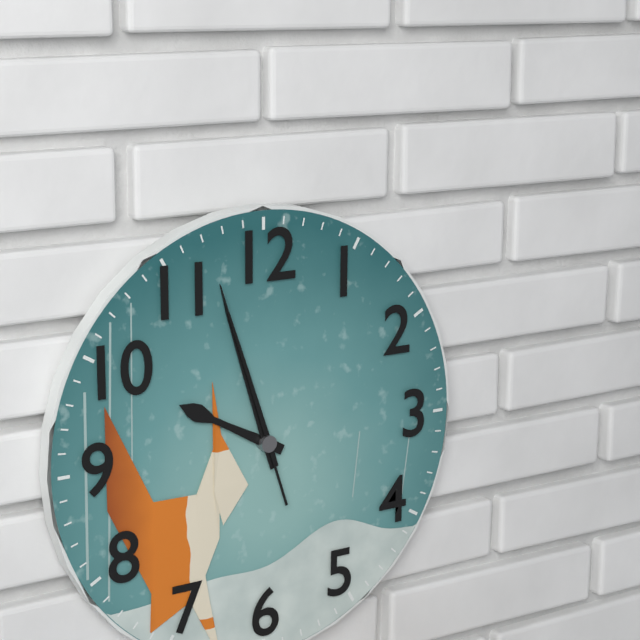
9:57:57
